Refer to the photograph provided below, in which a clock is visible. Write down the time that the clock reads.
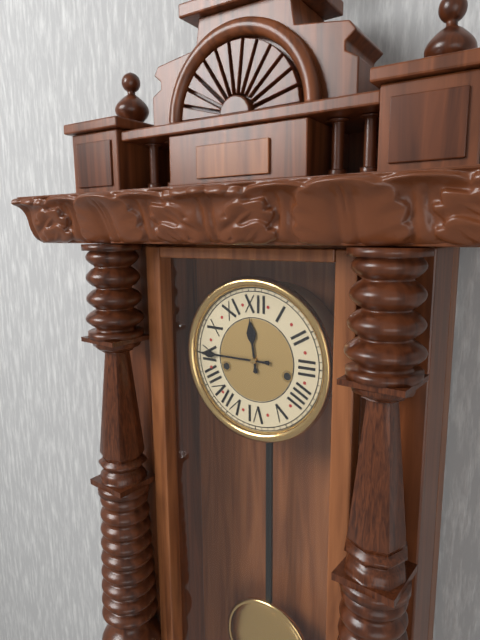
11:45
